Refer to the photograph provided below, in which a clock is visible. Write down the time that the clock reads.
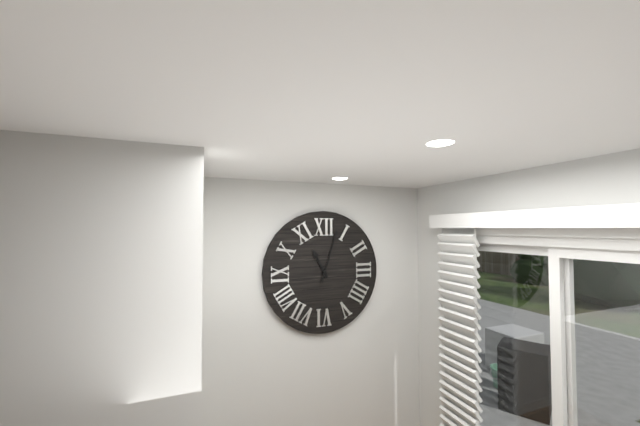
11:03
